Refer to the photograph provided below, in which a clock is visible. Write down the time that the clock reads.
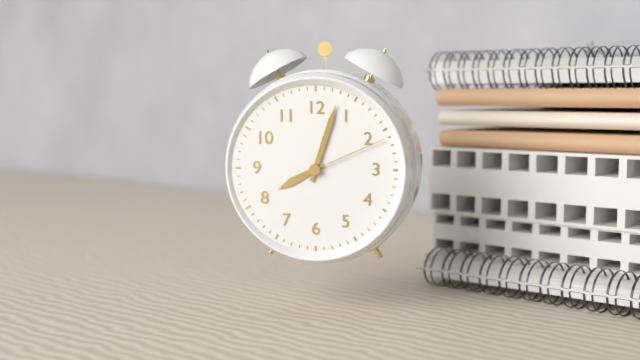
8:03:11
